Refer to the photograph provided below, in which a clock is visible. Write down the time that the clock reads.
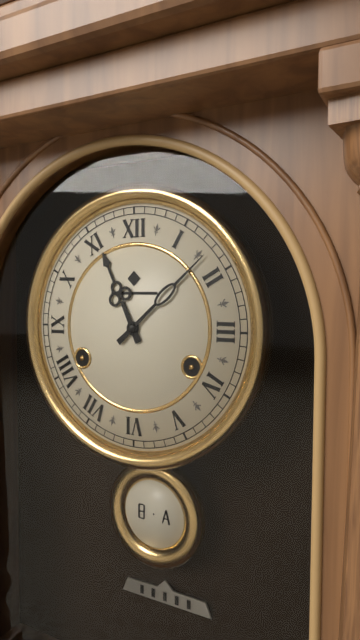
11:08
